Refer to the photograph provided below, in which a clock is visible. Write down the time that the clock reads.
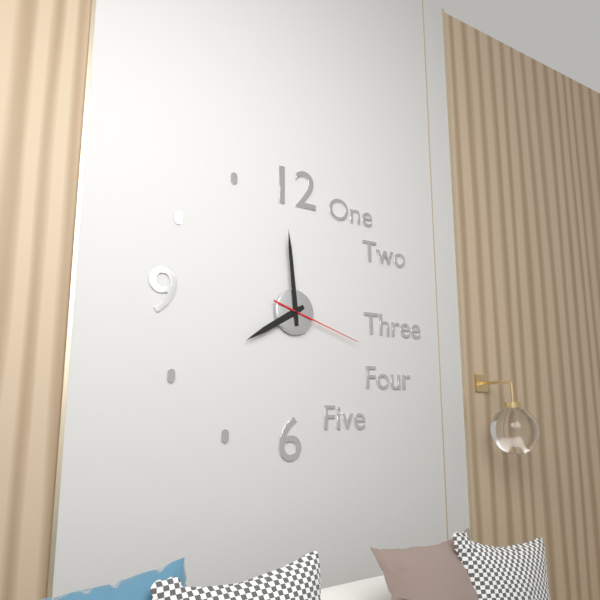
7:59:18
